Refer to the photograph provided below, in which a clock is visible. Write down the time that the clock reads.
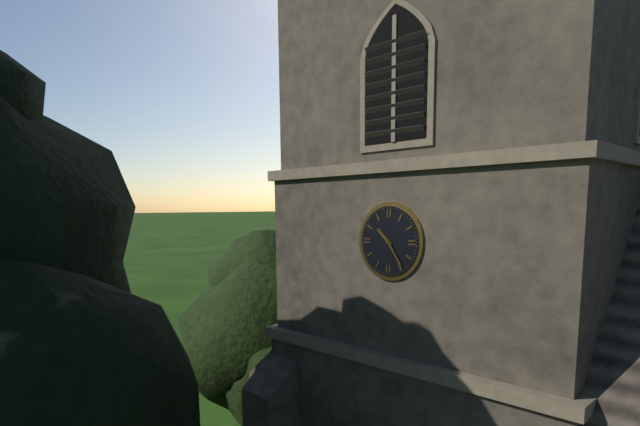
10:24
